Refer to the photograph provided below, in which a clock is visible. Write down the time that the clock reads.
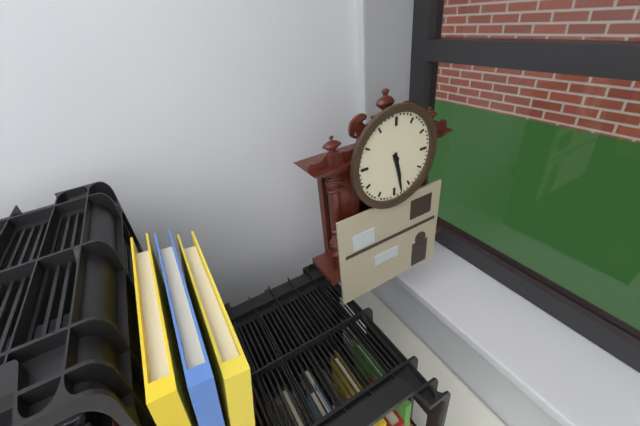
5:28
